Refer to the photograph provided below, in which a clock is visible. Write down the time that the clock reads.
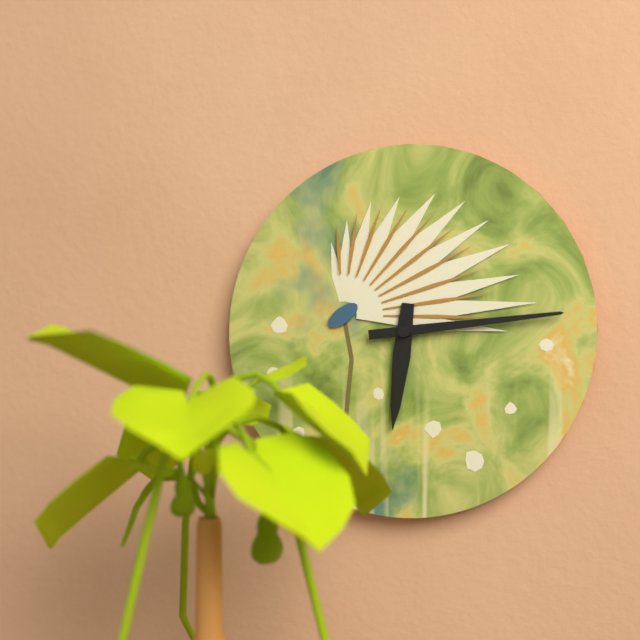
6:14
